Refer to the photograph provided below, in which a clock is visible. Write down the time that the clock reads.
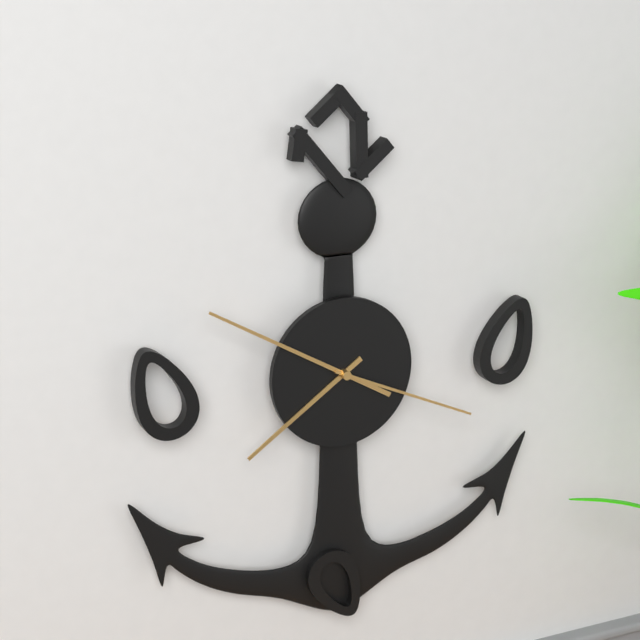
7:50:19
